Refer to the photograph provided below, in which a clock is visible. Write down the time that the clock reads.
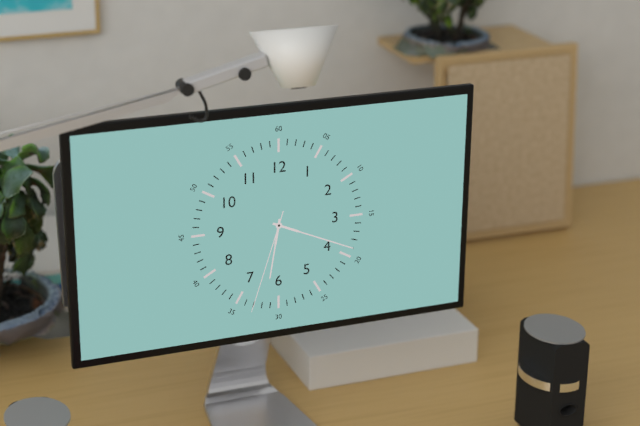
6:19:33
